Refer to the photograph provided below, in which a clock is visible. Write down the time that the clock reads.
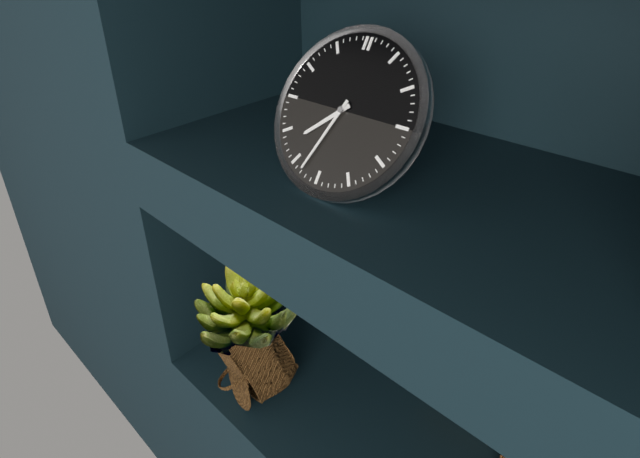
7:33
